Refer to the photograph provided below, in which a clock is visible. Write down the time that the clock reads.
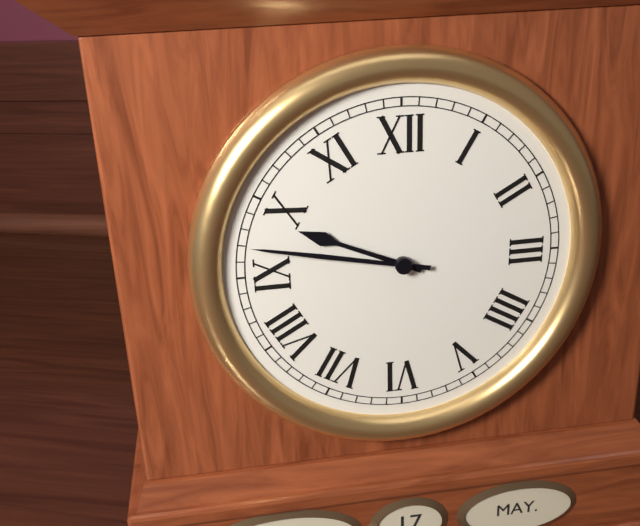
9:47
